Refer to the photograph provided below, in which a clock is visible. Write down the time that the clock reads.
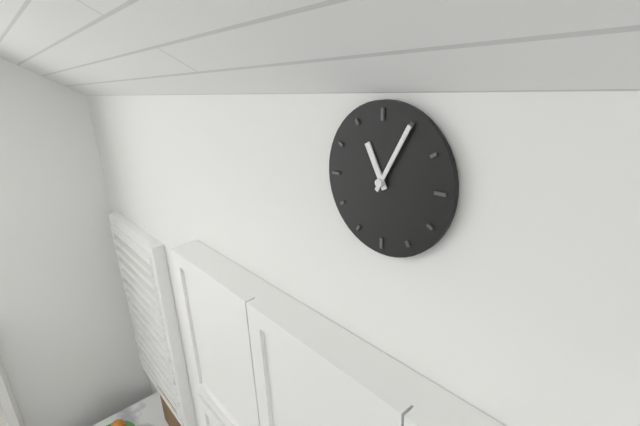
11:05
